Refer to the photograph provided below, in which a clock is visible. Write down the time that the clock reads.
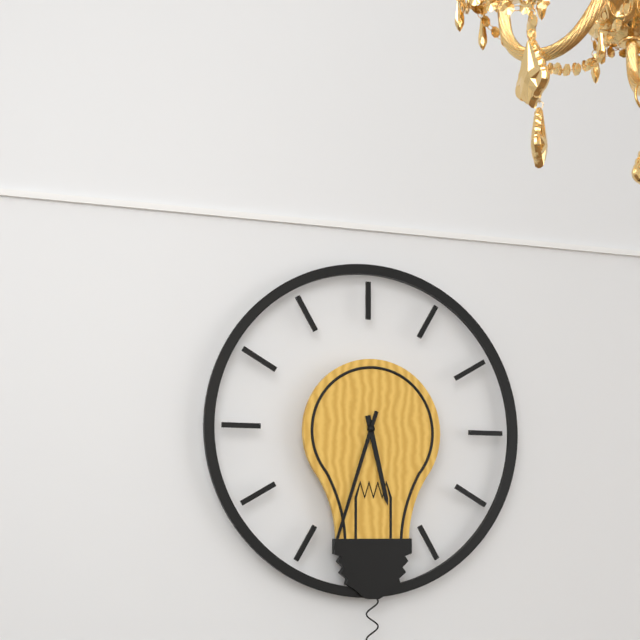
5:33
